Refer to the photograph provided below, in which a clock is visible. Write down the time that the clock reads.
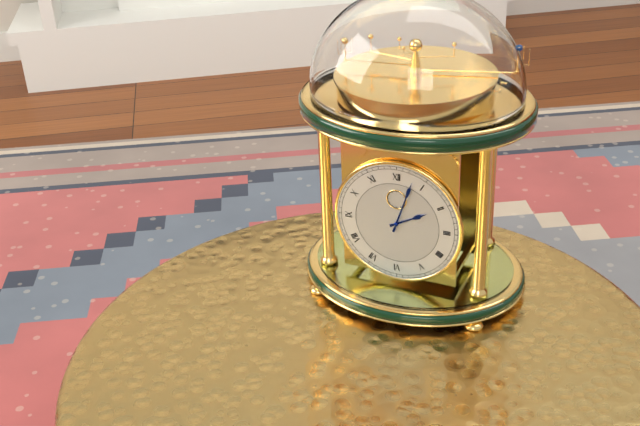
2:03
